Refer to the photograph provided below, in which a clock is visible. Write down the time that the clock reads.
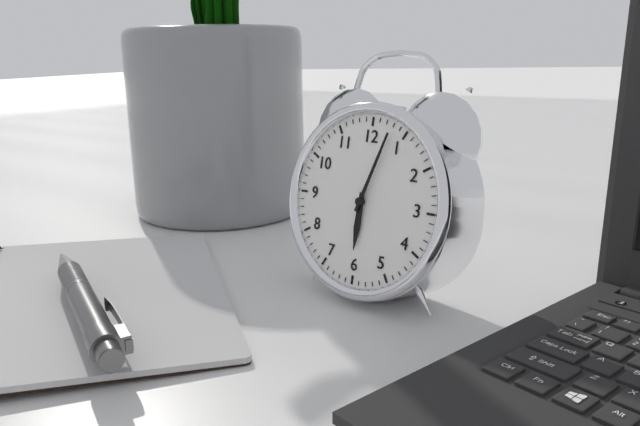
6:03
